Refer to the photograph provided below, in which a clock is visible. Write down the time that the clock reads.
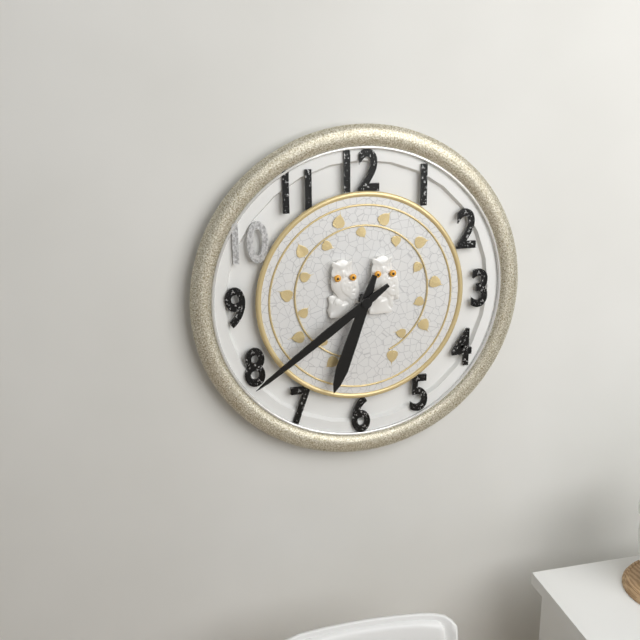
6:39
